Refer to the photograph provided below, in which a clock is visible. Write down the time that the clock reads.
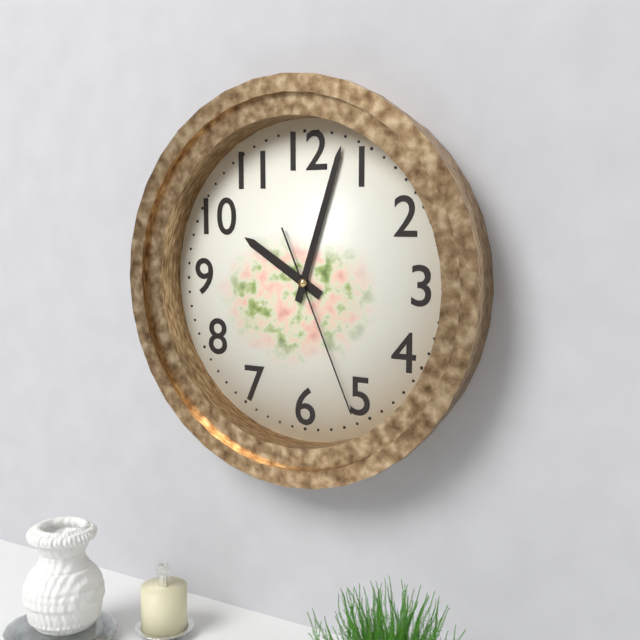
10:03:26
